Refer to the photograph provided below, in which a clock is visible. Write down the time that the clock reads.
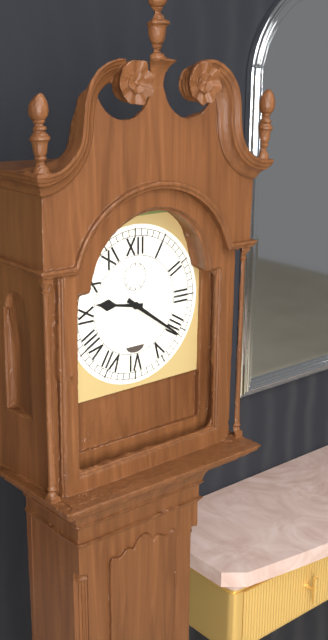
9:21
